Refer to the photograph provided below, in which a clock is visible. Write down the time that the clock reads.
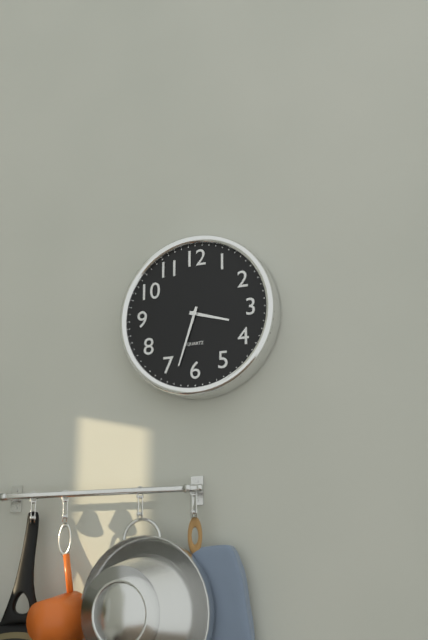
3:33
